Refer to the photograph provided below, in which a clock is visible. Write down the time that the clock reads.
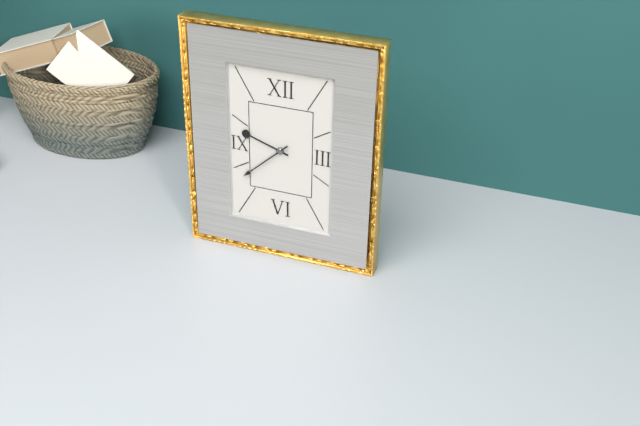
9:38
